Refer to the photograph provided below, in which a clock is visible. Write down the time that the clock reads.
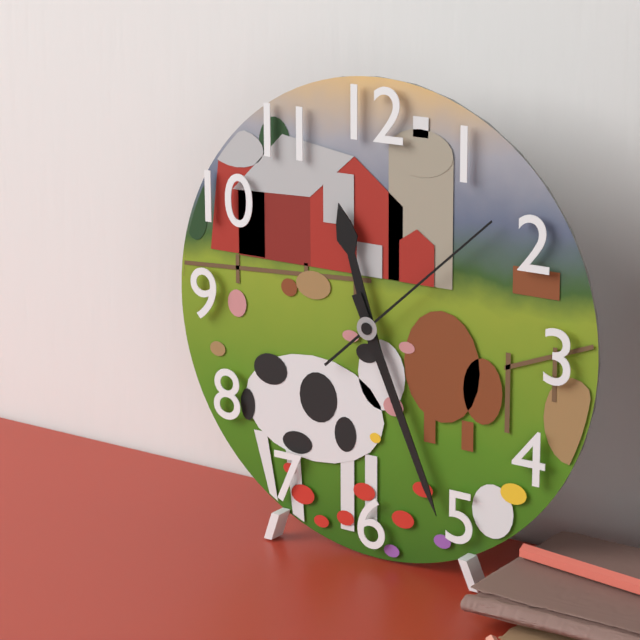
11:26:08
